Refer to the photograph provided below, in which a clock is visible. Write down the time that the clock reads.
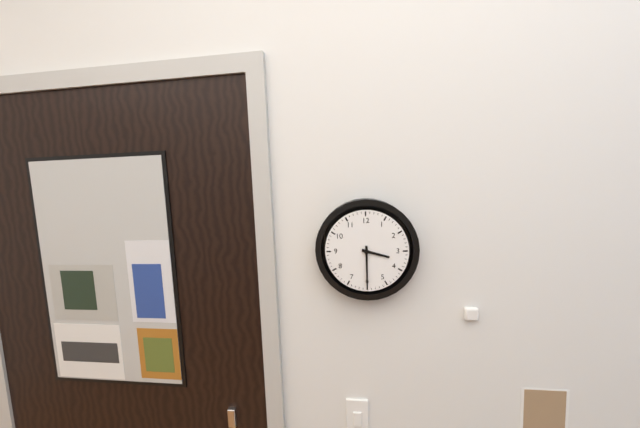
3:30
